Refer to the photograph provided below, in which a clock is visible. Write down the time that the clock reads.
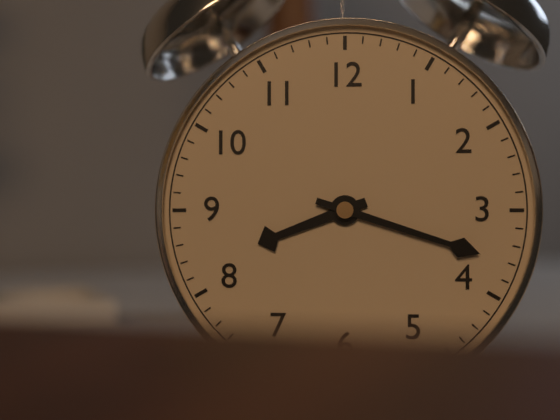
8:18
